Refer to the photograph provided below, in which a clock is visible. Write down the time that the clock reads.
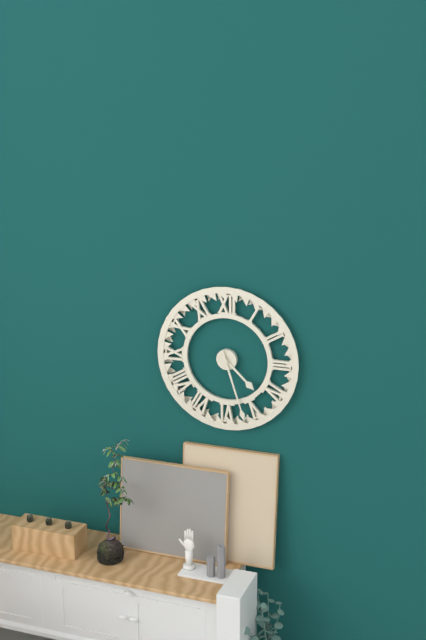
4:27
